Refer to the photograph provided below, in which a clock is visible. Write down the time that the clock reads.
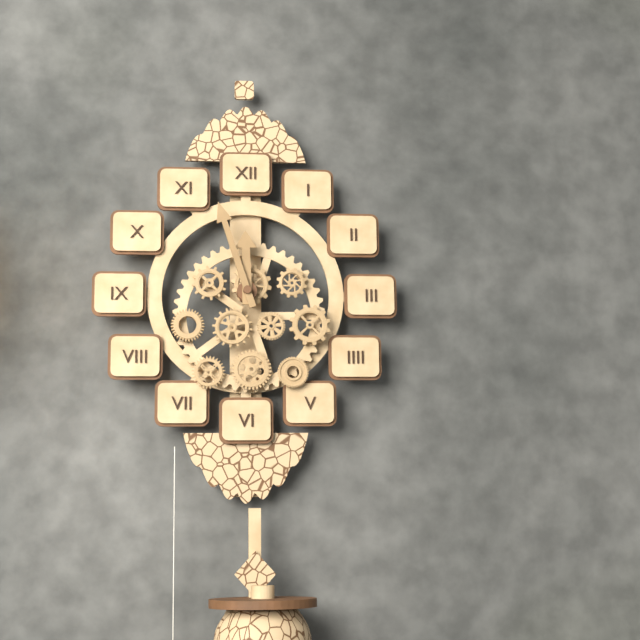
11:57
